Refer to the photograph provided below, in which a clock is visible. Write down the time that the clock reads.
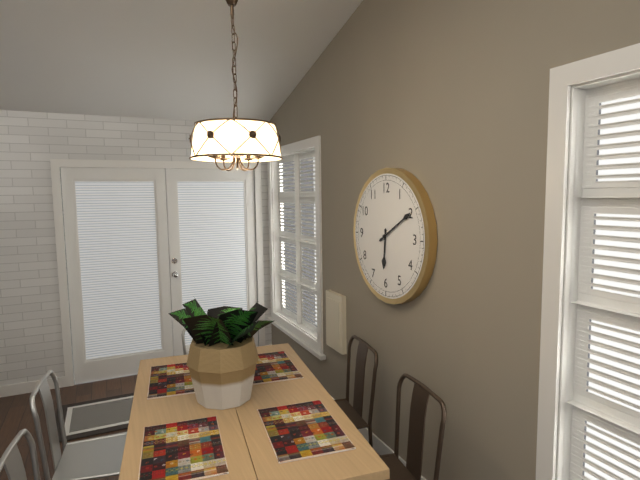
6:10
